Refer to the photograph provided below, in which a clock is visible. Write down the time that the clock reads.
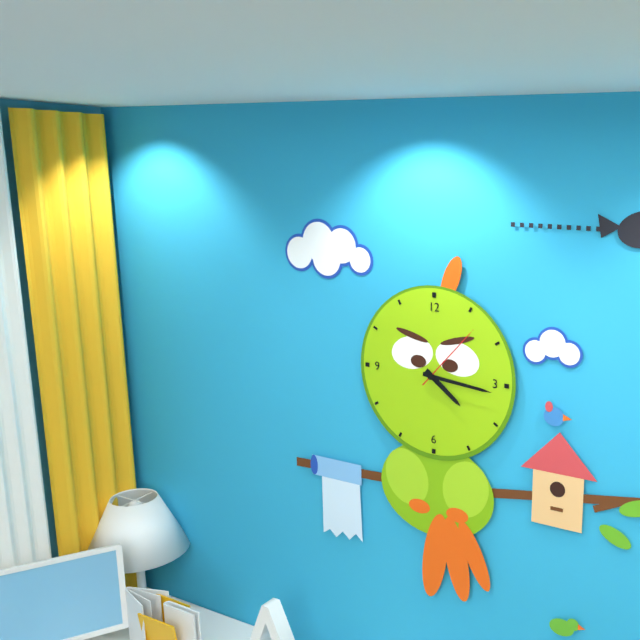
4:16:07
